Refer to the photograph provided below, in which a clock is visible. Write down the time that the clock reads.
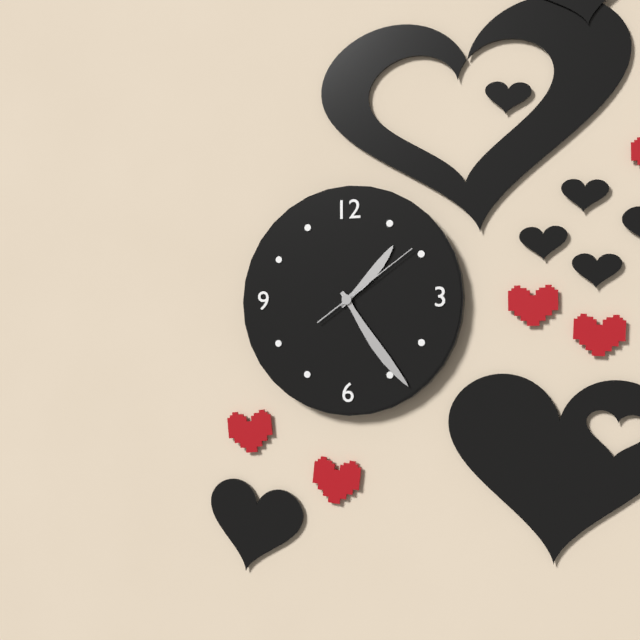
1:24:09
